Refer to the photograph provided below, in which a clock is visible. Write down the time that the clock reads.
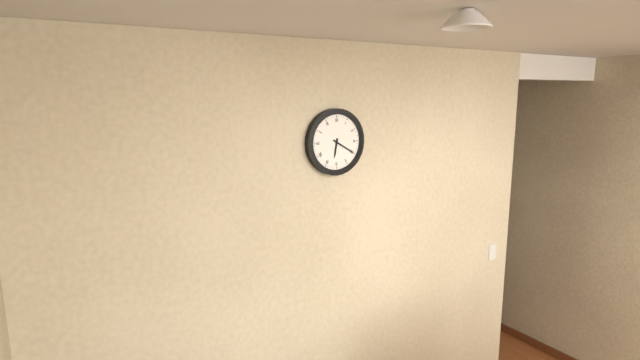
6:20
